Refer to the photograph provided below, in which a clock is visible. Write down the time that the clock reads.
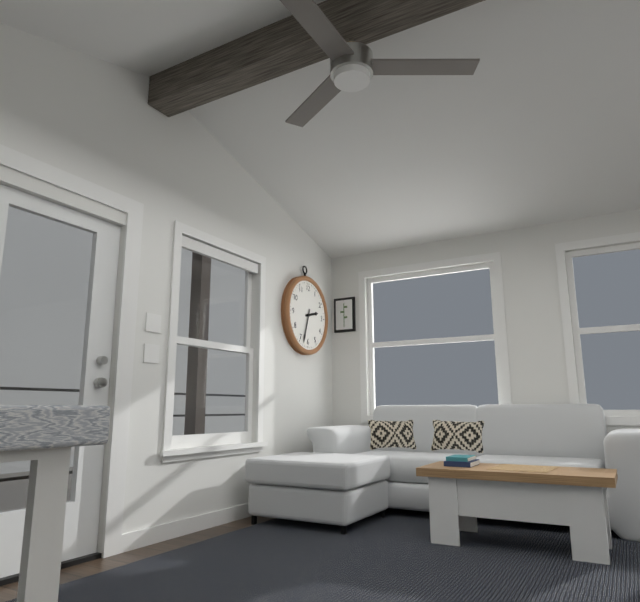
2:33
